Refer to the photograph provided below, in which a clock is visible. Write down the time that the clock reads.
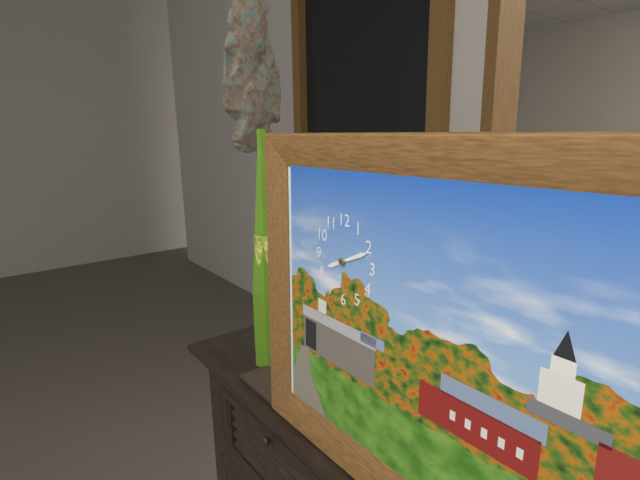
8:11
